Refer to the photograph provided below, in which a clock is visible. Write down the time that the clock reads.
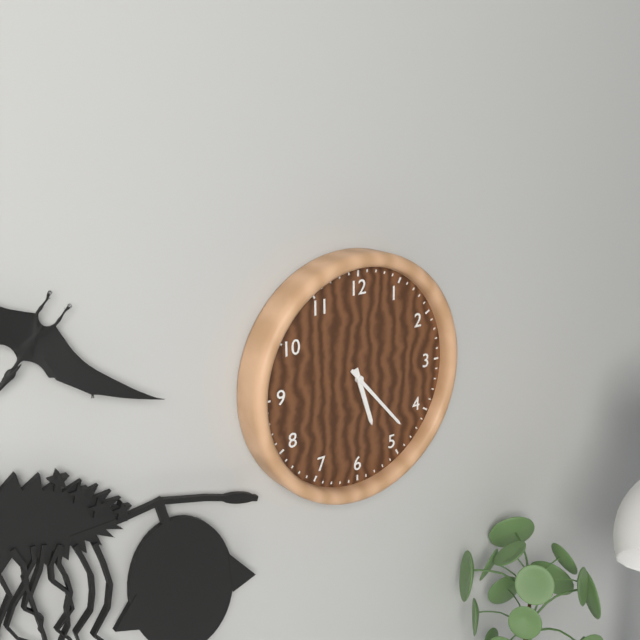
5:23
